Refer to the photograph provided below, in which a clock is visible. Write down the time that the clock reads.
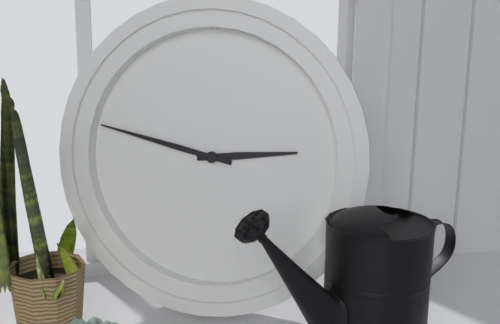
2:47
